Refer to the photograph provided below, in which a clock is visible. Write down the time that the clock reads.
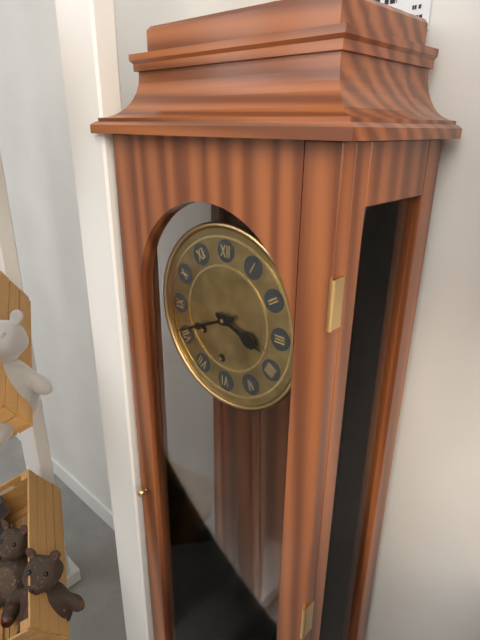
3:41
